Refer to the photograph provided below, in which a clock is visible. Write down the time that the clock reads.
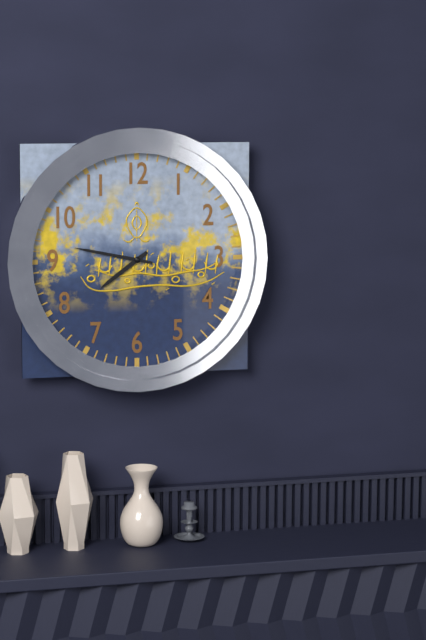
7:47
